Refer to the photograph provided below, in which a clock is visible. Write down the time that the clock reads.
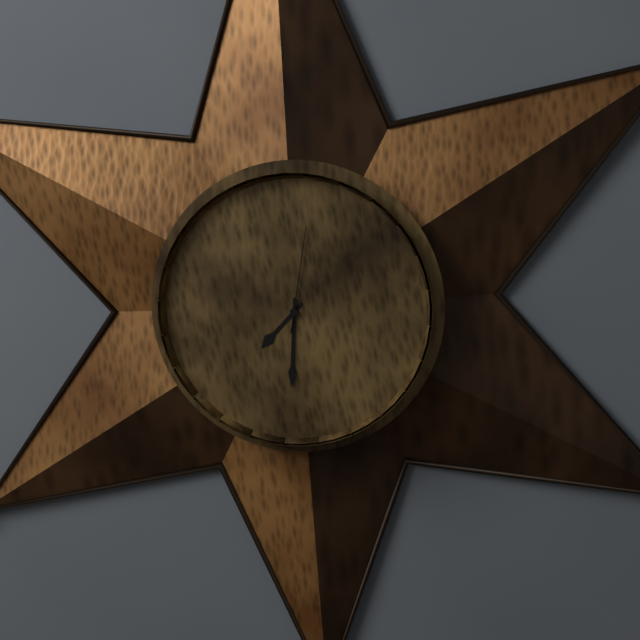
7:31:02
